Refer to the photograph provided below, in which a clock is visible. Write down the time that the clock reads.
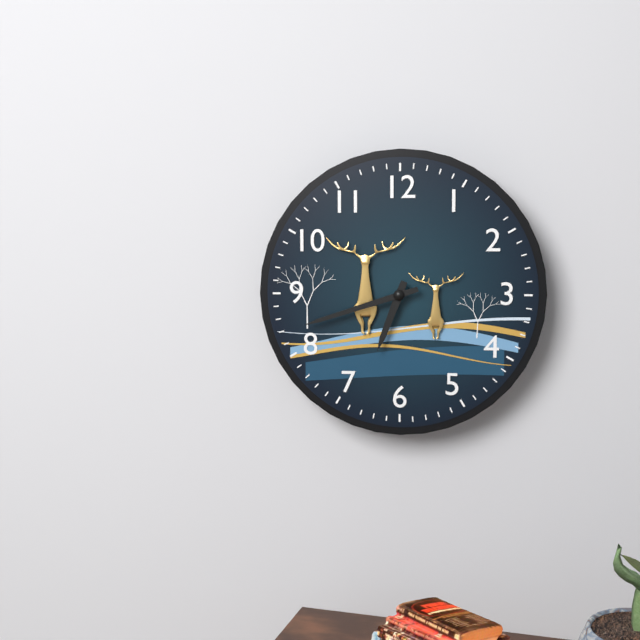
6:42
